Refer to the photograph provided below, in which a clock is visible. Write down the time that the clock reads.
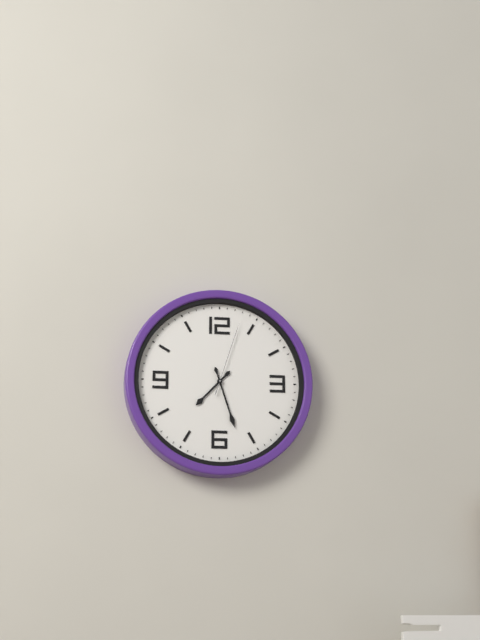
7:27:03
